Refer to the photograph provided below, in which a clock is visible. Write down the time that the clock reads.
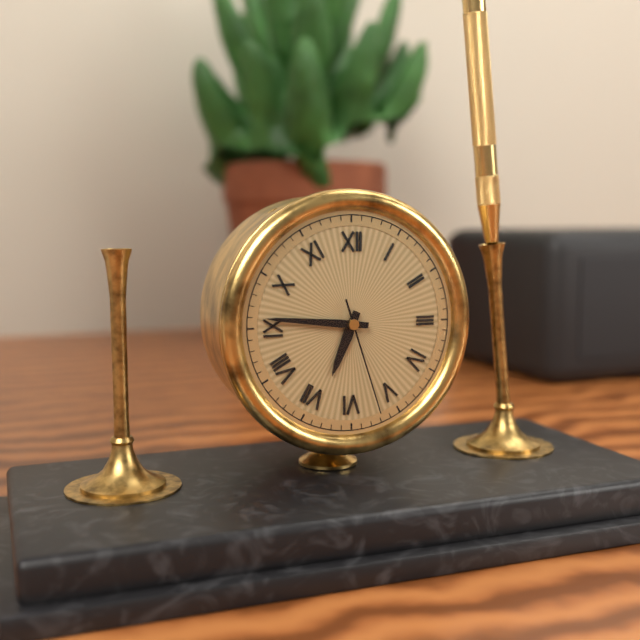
6:46:27
